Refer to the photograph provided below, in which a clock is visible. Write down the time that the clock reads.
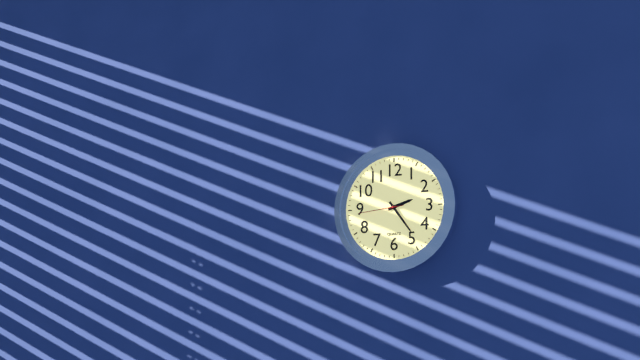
2:24:44
